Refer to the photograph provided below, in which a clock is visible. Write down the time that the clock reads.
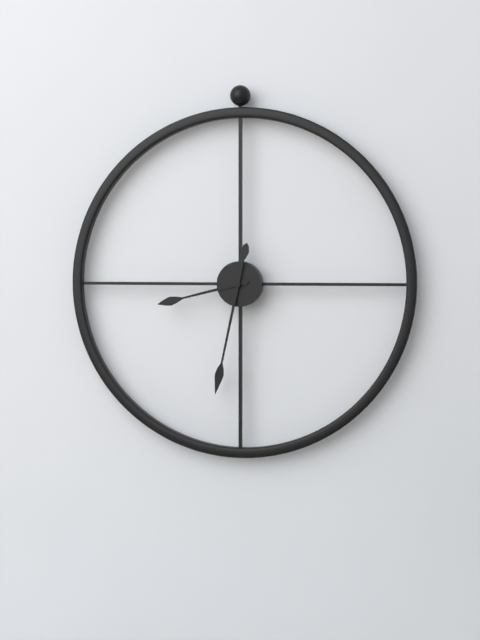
8:32
